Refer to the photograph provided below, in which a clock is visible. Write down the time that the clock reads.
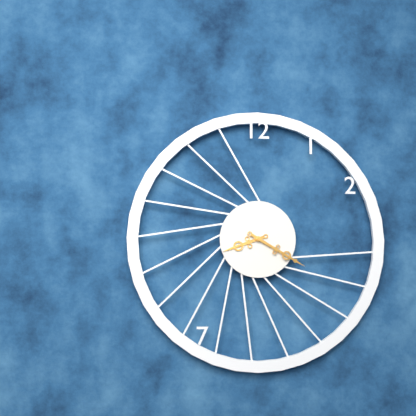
8:20
